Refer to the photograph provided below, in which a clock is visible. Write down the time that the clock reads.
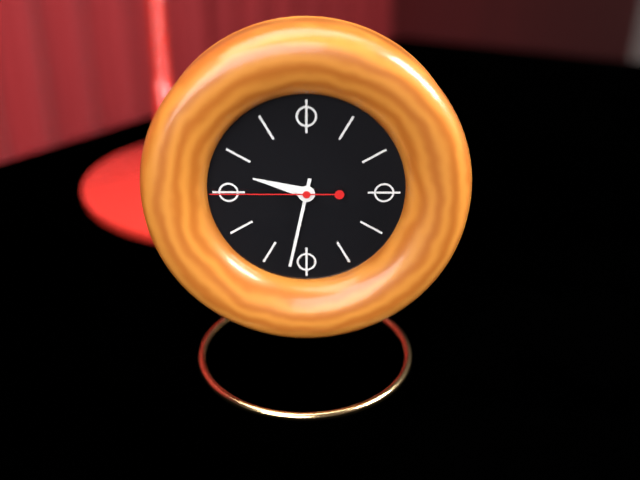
9:32:45
